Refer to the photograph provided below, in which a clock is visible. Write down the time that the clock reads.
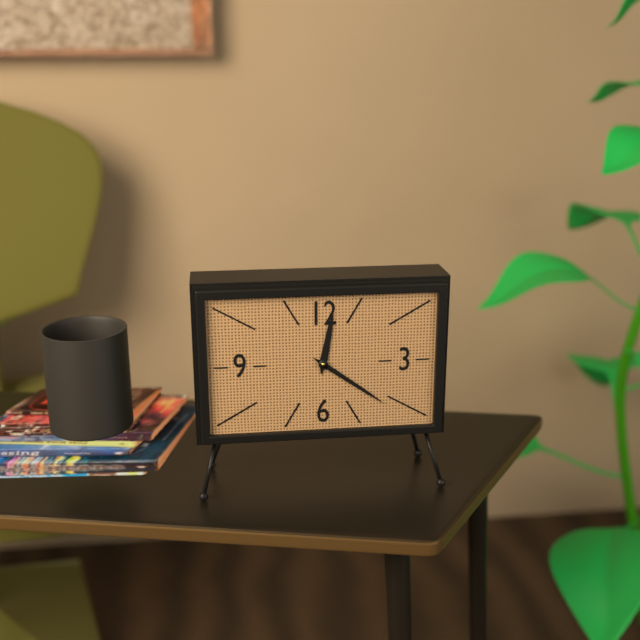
12:21
